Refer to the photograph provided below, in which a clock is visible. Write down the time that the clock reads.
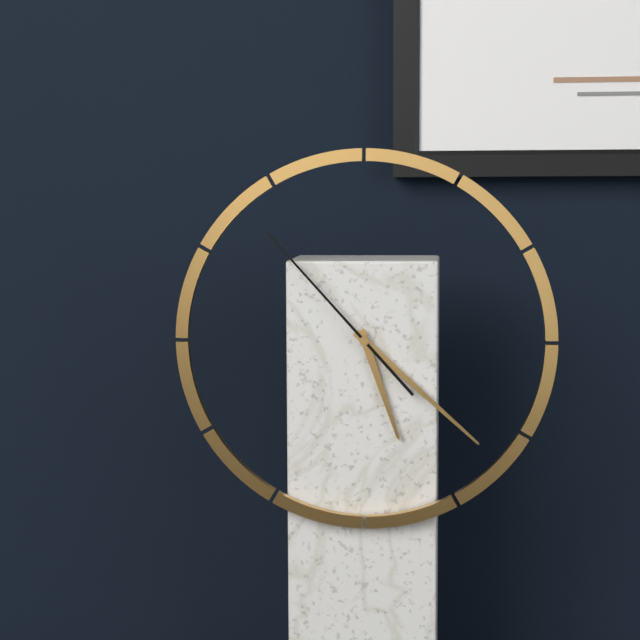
5:22:53
